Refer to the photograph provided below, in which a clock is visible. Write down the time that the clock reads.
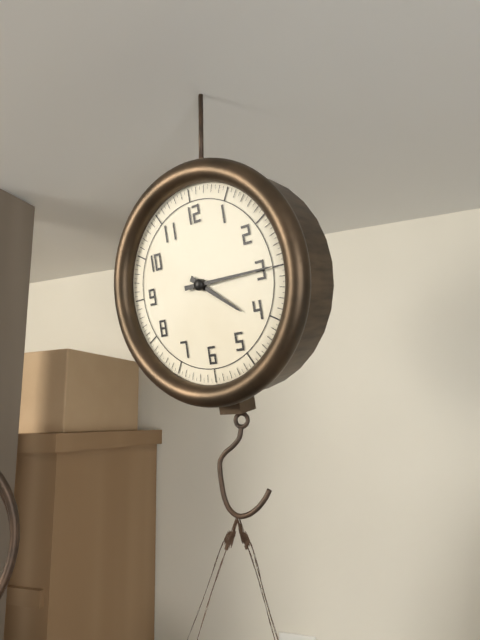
4:15
